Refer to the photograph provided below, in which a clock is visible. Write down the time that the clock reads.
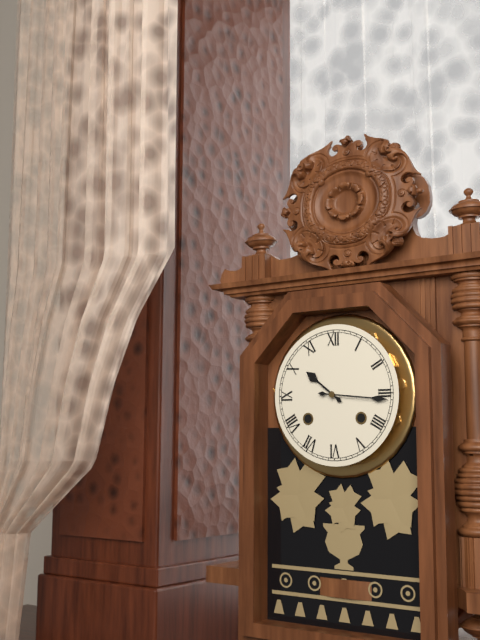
10:16
